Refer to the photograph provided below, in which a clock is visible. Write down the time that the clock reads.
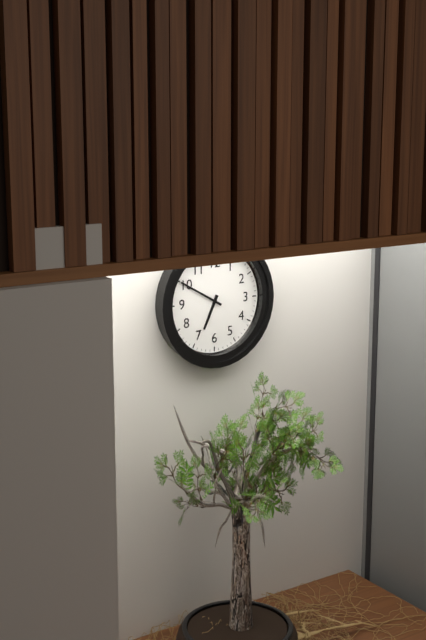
6:50
